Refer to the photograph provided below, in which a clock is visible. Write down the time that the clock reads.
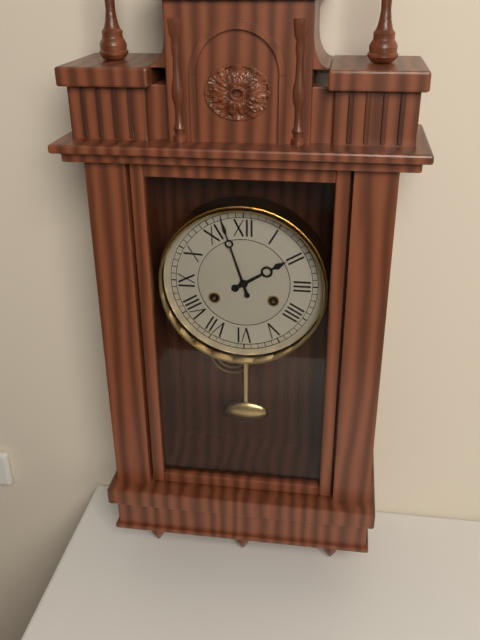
1:57
